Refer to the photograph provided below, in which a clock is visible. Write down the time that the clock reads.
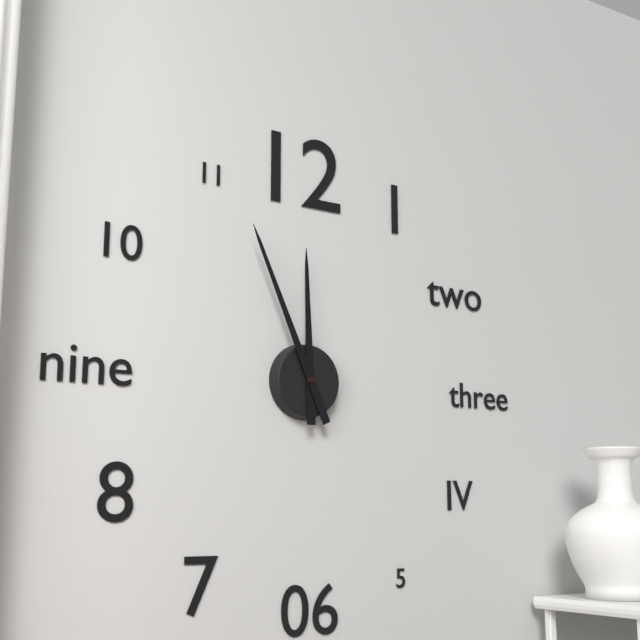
11:56
